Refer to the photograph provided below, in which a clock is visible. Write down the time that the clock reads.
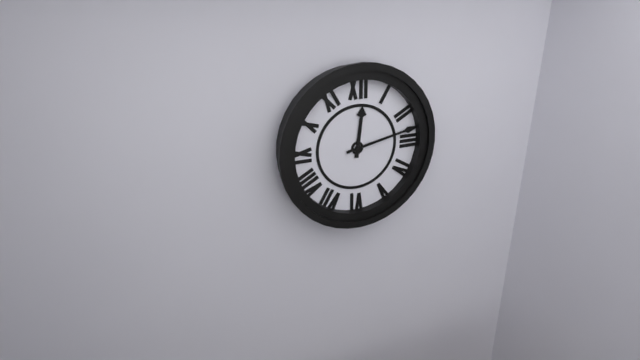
12:13
